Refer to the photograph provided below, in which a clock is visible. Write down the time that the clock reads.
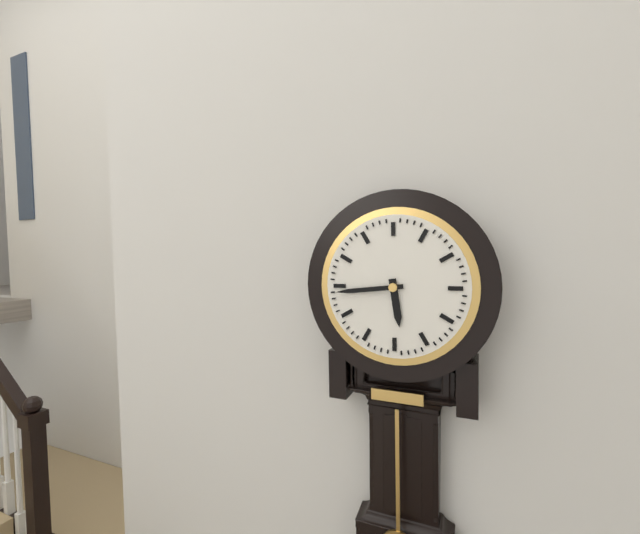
5:44
